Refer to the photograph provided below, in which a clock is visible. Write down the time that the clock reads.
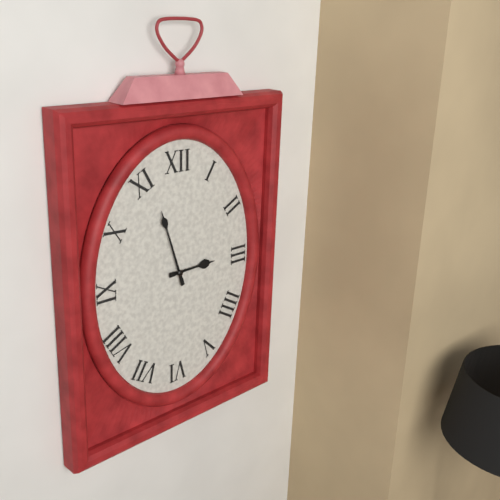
2:57
